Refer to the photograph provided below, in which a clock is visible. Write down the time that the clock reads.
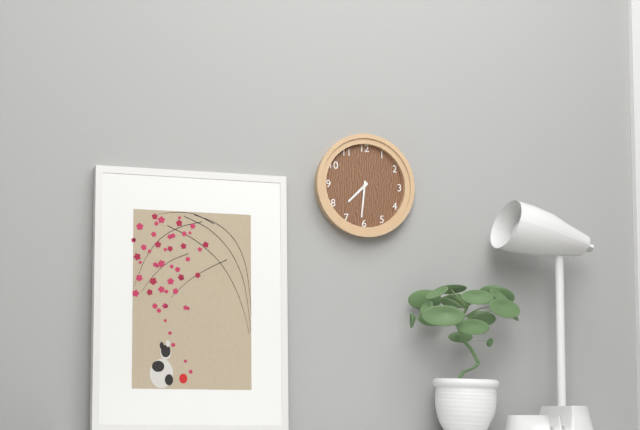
7:31
